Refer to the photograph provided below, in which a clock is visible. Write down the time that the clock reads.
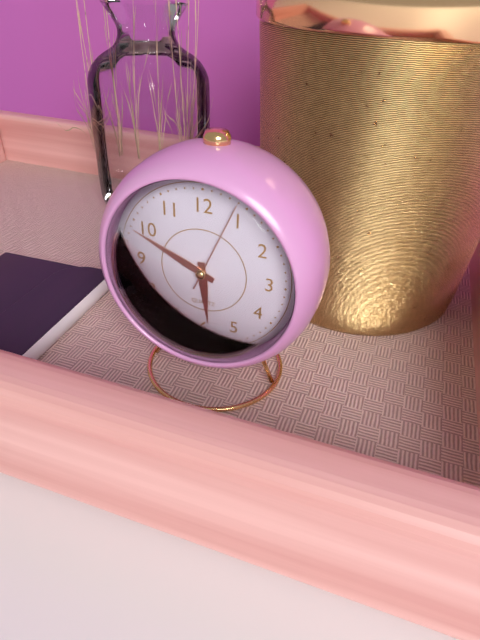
5:49:04
